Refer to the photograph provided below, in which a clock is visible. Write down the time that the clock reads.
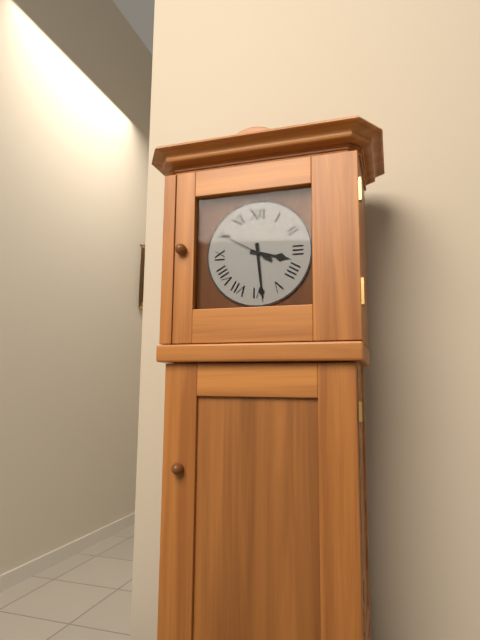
3:29:50
